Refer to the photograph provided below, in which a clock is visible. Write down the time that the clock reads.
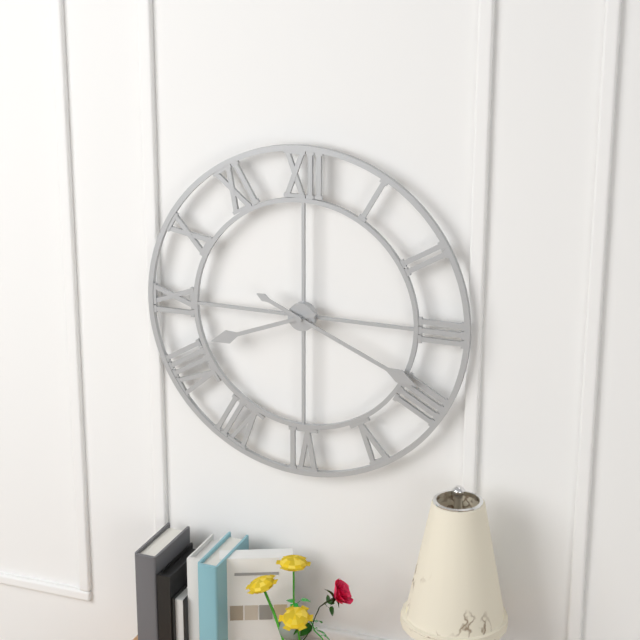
8:19
